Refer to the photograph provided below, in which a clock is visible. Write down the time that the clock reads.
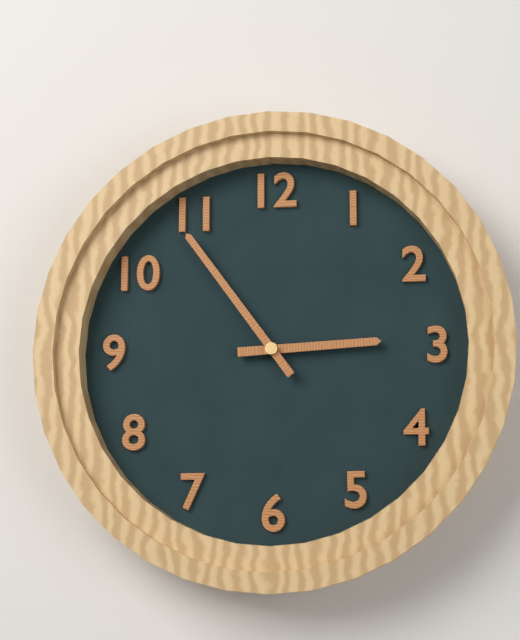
2:54
